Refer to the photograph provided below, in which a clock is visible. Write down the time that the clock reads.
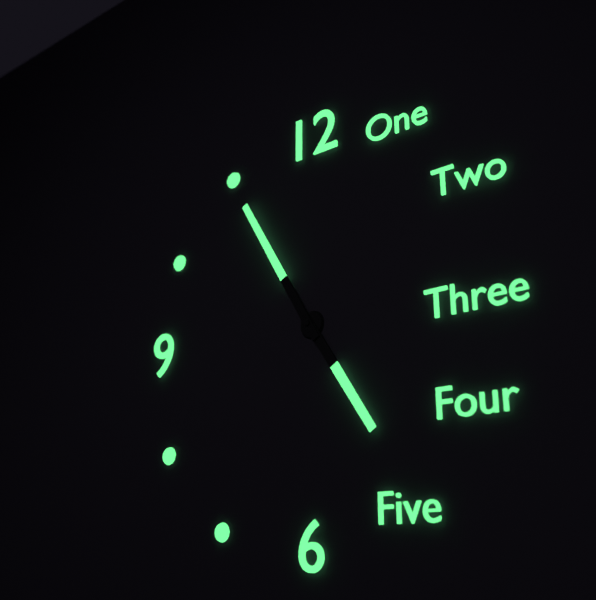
4:55
